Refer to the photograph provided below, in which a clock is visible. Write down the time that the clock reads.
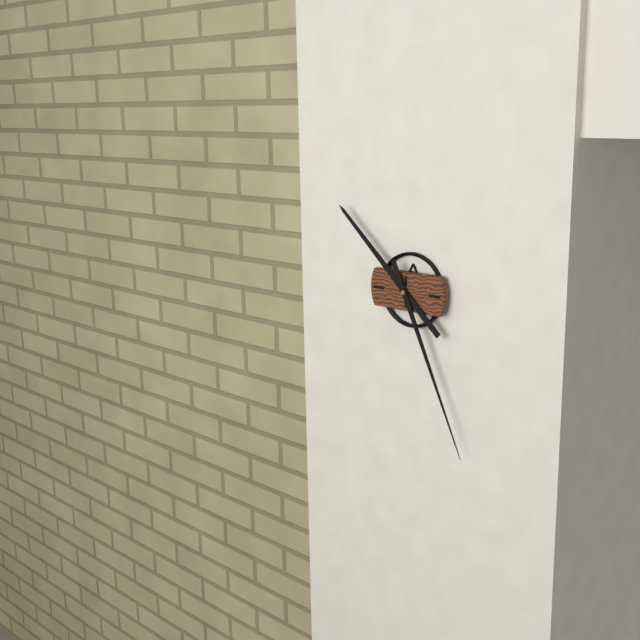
10:26
